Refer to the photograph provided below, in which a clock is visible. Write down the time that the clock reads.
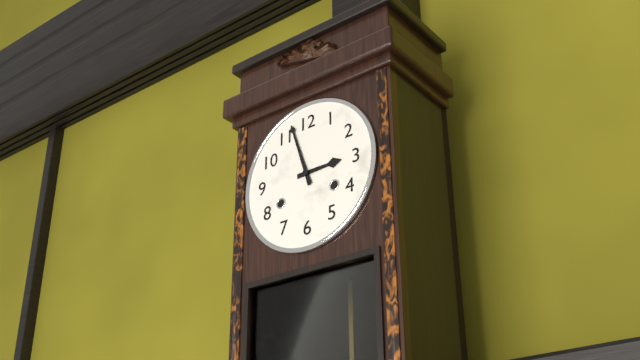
2:57
